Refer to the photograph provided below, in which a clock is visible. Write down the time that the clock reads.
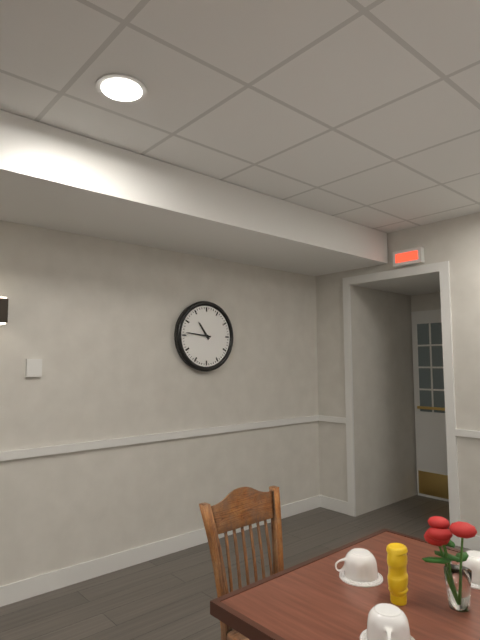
10:46
